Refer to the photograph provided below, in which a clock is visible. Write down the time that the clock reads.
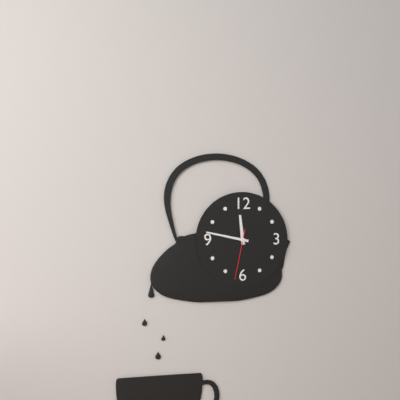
11:47:32
